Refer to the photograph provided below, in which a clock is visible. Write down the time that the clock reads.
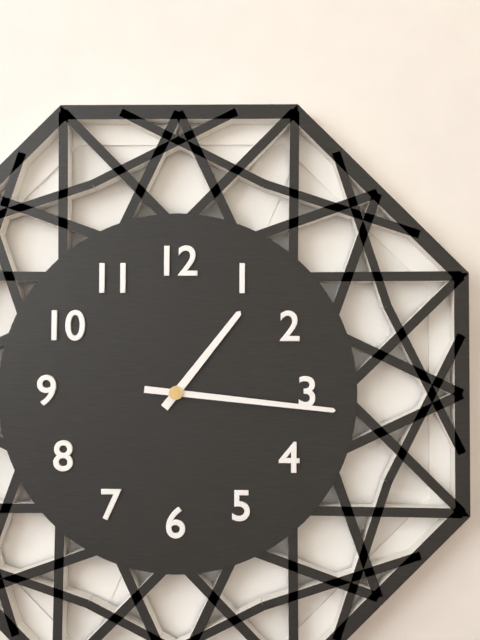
1:16
